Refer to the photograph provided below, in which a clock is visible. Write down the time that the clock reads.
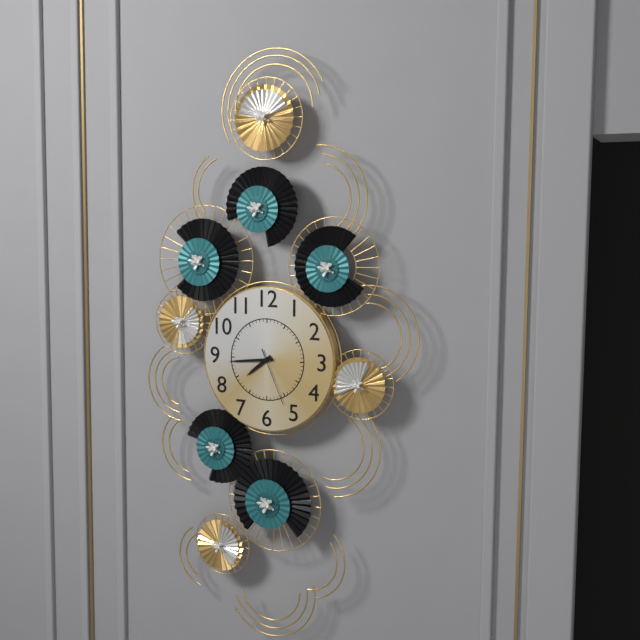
7:44:26
